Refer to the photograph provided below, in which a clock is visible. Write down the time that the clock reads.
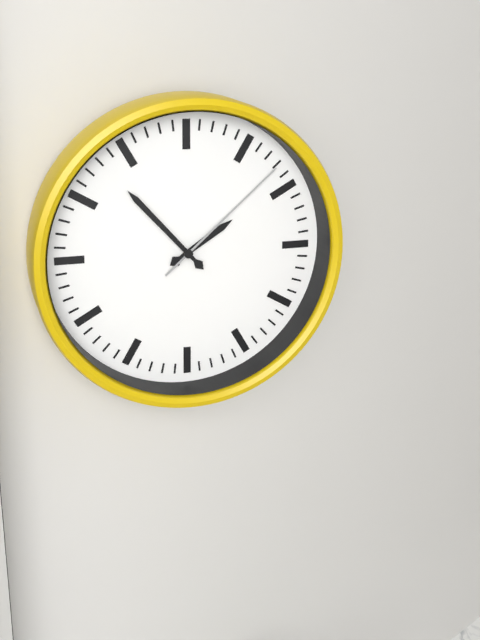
1:53:08
